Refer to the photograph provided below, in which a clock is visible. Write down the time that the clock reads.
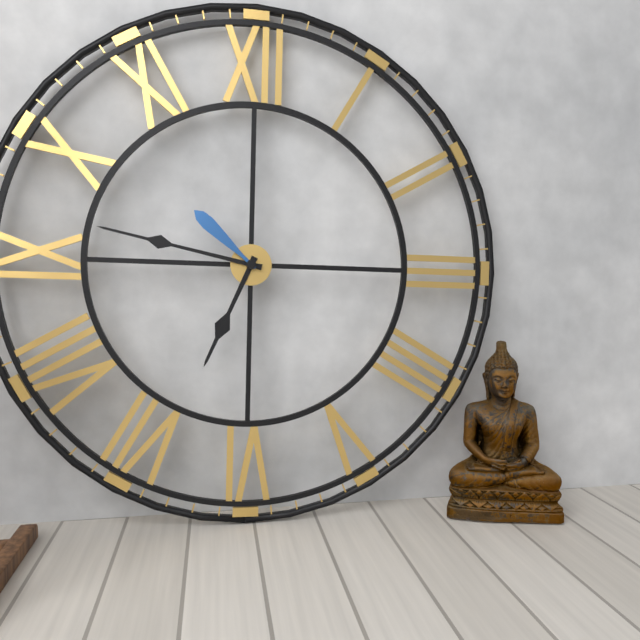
6:47:52
